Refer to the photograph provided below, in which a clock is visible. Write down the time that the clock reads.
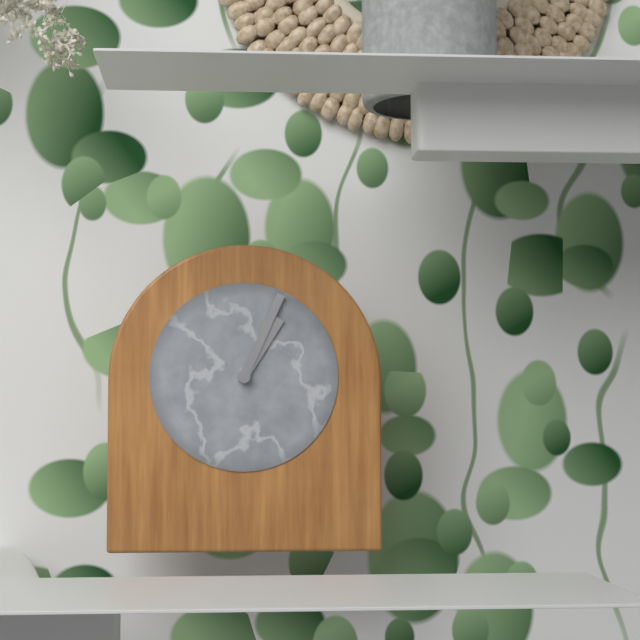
1:04
